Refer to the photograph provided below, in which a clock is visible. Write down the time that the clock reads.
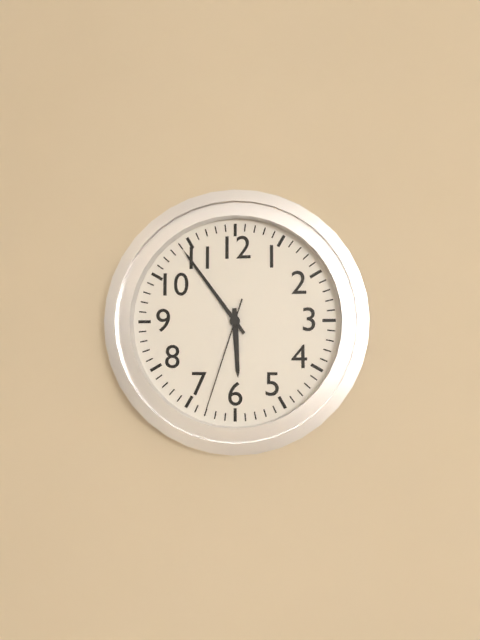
5:54:33
